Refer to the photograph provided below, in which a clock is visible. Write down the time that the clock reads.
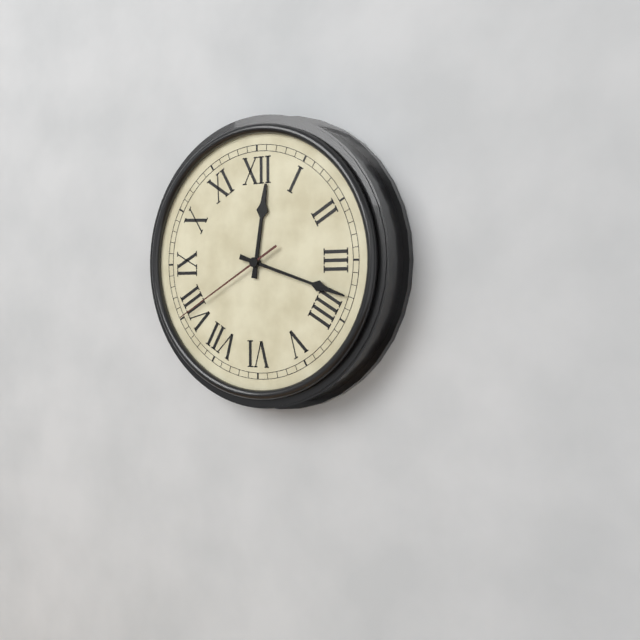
12:18:40
